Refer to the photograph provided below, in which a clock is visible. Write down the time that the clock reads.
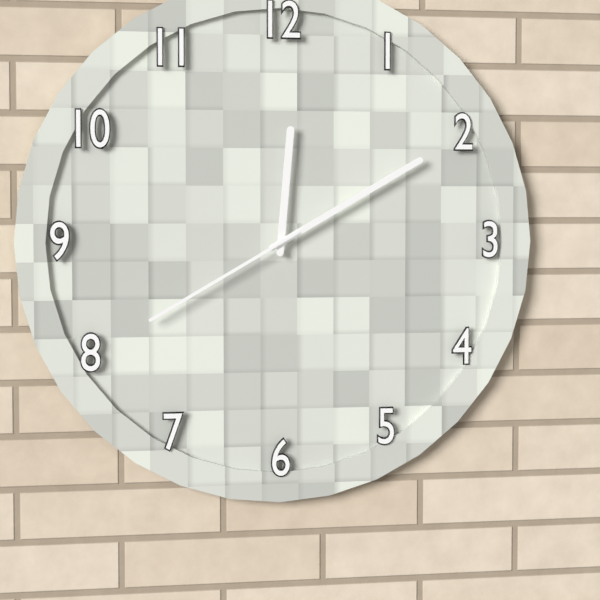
12:10:40
